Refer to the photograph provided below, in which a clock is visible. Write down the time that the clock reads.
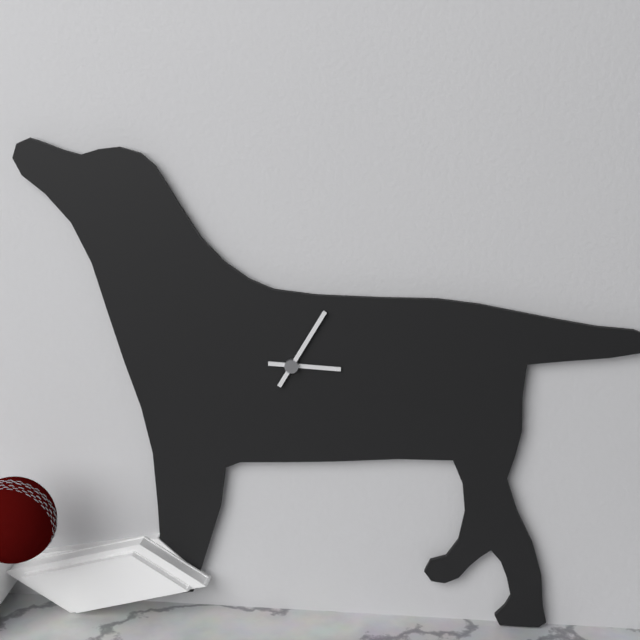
3:05
